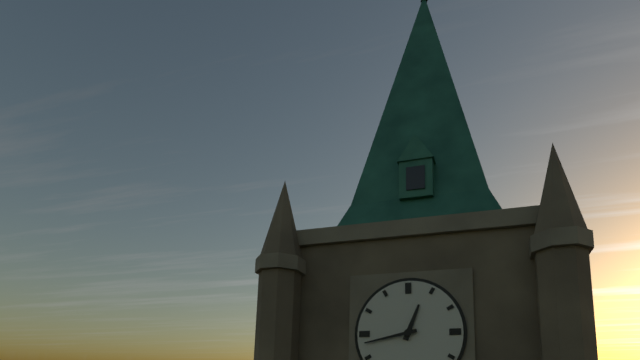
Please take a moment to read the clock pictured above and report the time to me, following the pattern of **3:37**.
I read **12:43**
